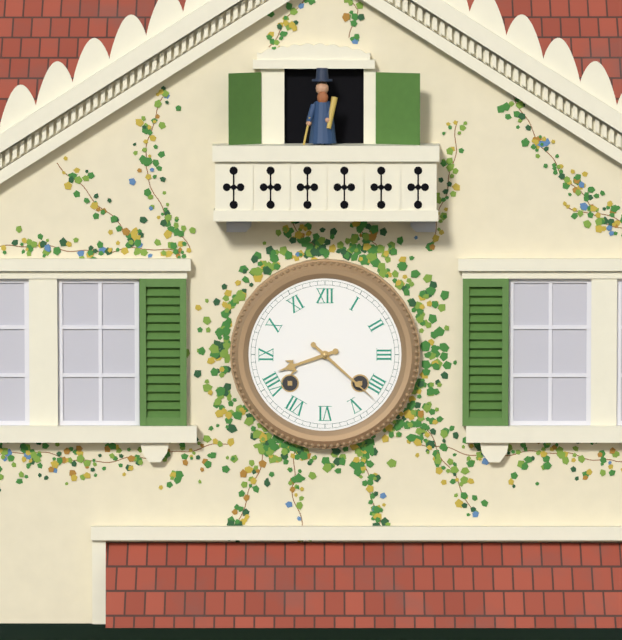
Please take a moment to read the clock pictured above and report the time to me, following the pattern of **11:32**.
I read **8:22**
